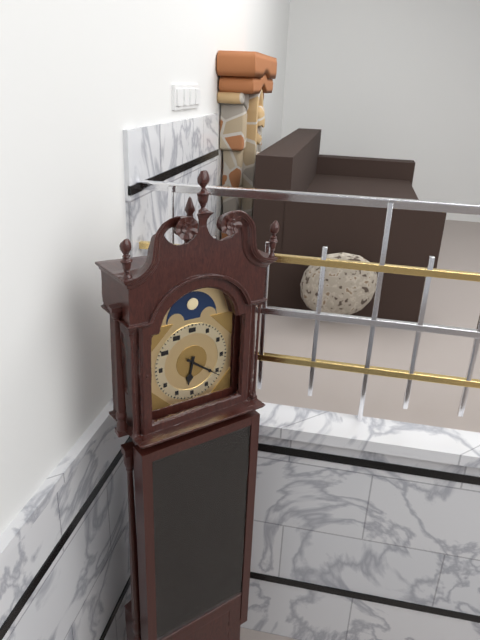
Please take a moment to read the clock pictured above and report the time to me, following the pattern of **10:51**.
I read **6:21**
